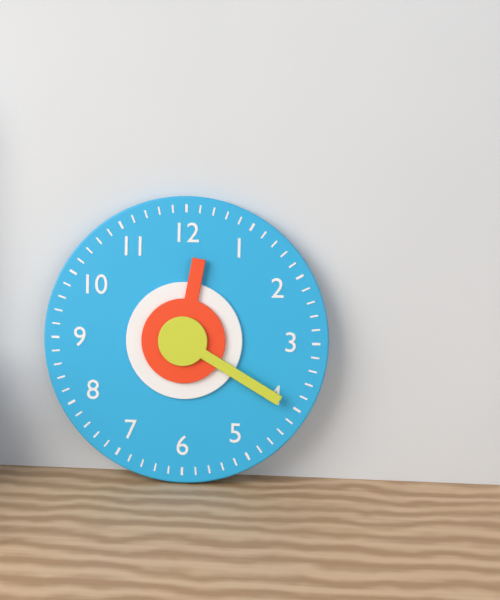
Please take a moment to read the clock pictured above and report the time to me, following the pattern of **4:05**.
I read **12:20**
